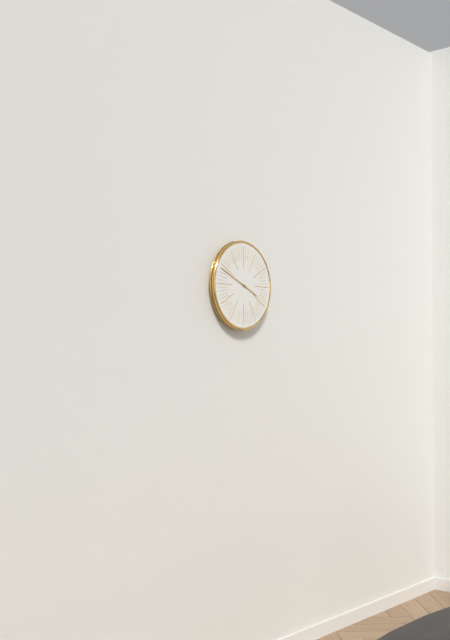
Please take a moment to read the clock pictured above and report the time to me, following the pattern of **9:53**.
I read **3:49**
